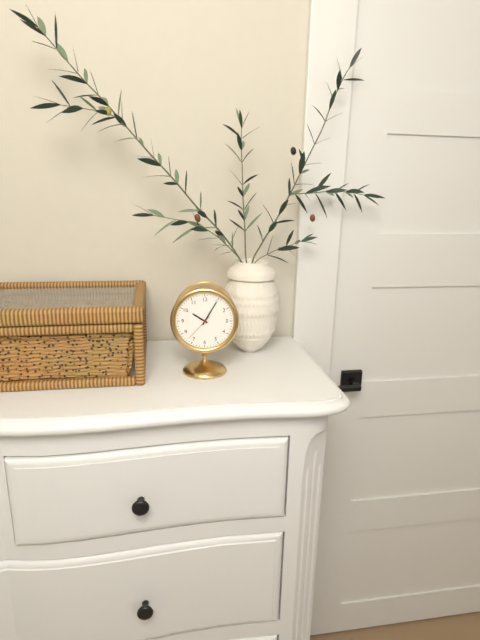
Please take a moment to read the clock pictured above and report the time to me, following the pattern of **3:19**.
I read **10:05**
